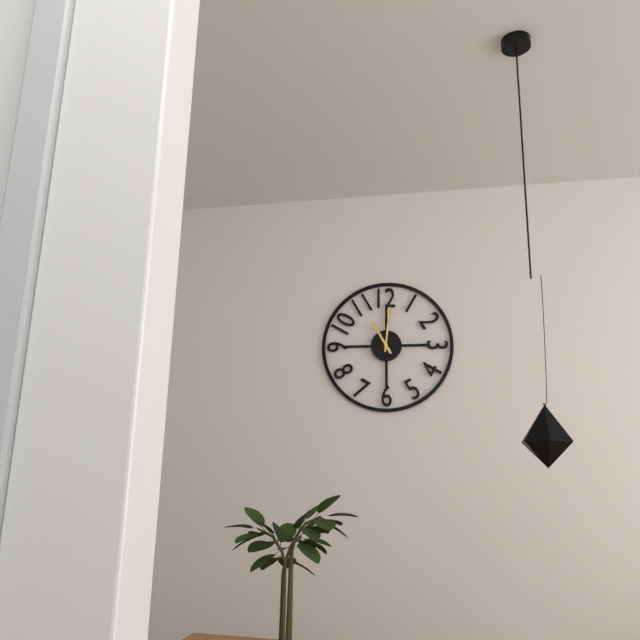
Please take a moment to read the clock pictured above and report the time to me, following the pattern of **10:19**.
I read **11:01**
